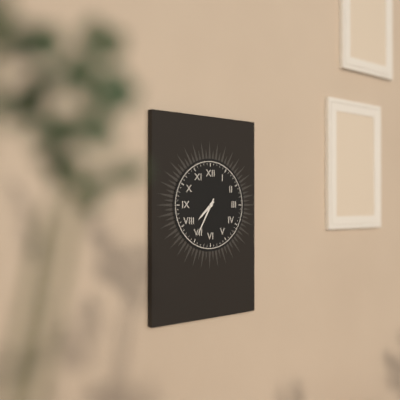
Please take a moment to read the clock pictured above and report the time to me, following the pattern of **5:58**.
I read **7:35**
